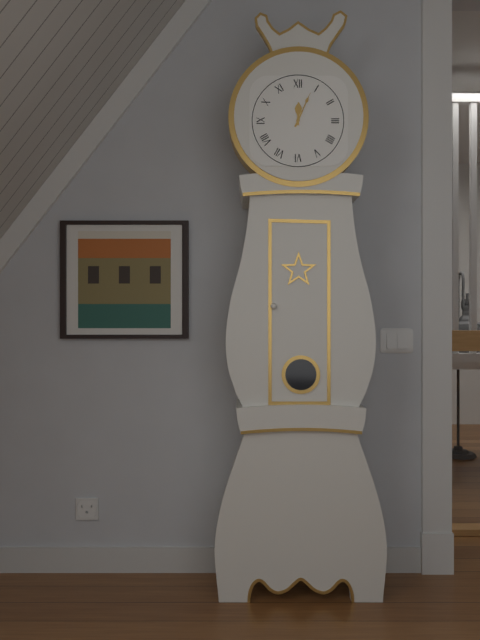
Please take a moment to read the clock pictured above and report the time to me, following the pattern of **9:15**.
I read **12:04**
